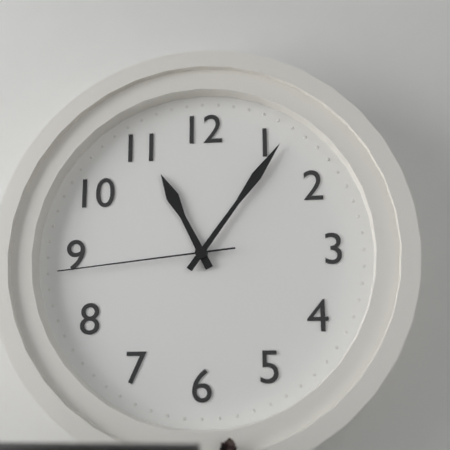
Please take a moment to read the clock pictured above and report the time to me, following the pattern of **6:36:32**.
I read **11:06:44**
